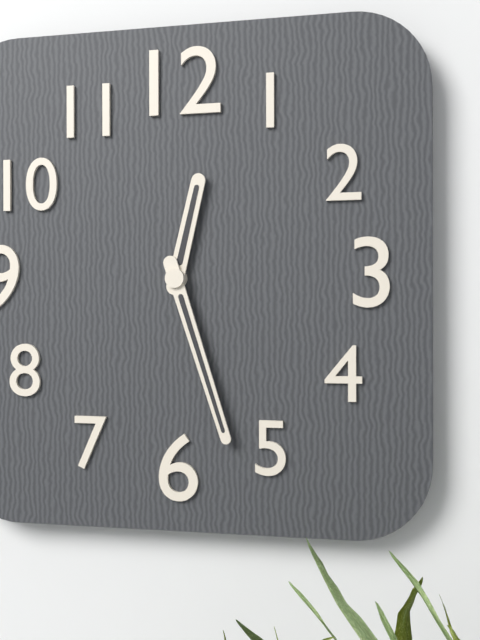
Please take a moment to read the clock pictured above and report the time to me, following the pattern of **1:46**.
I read **12:27**
